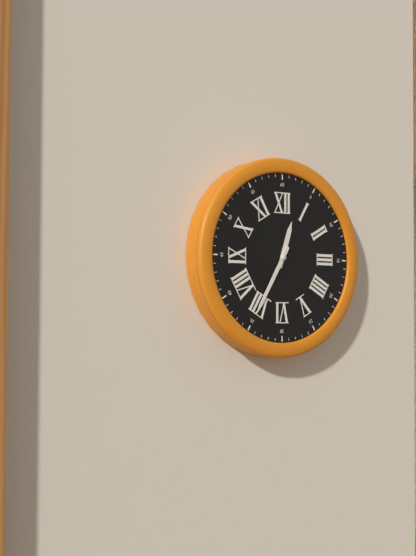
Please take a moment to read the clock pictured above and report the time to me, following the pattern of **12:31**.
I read **12:35**
